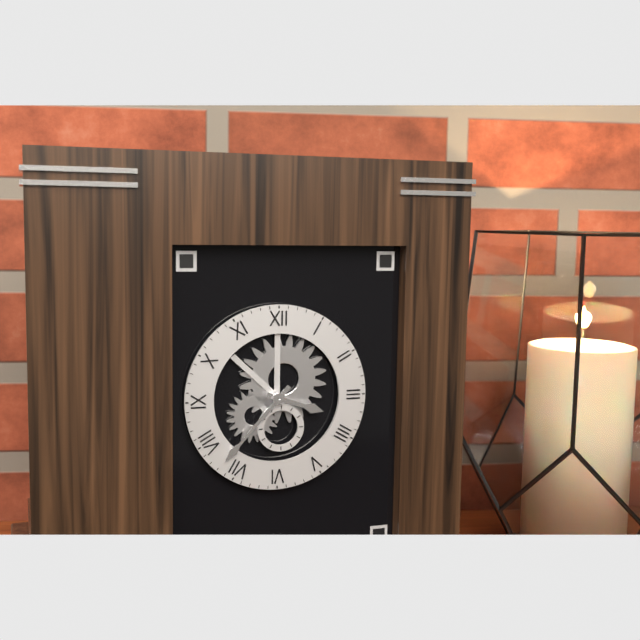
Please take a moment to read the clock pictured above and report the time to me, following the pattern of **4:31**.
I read **3:37**
